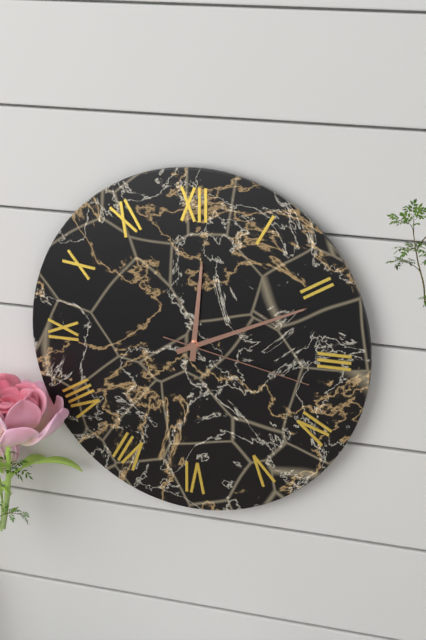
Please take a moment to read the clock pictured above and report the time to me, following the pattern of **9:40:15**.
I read **12:11:17**
